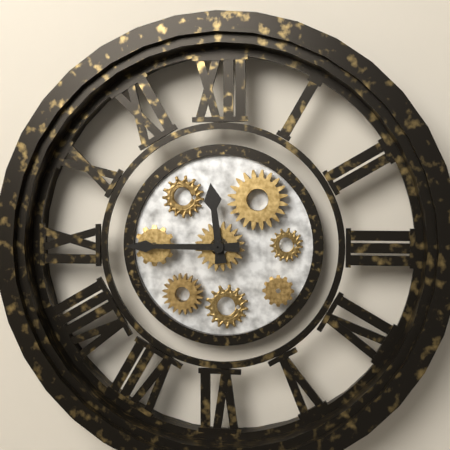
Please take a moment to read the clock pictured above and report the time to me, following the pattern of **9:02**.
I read **11:45**
